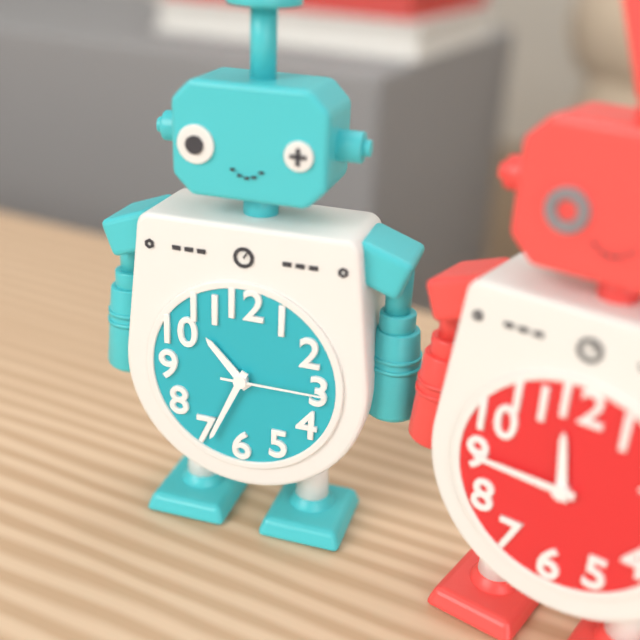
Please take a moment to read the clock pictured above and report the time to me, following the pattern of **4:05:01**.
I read **10:34:15**
